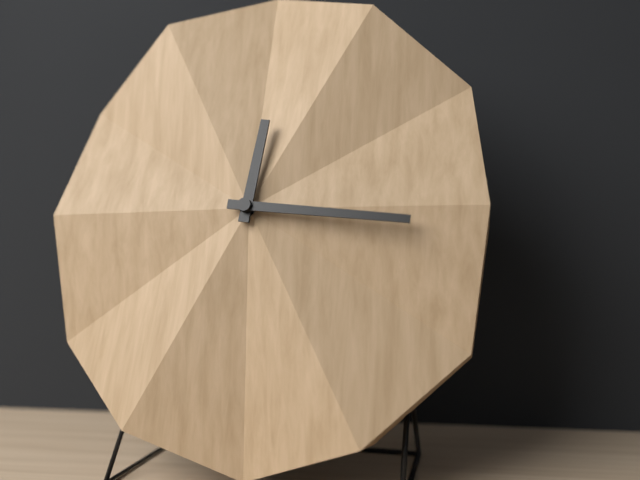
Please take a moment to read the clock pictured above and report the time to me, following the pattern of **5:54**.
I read **12:16**
